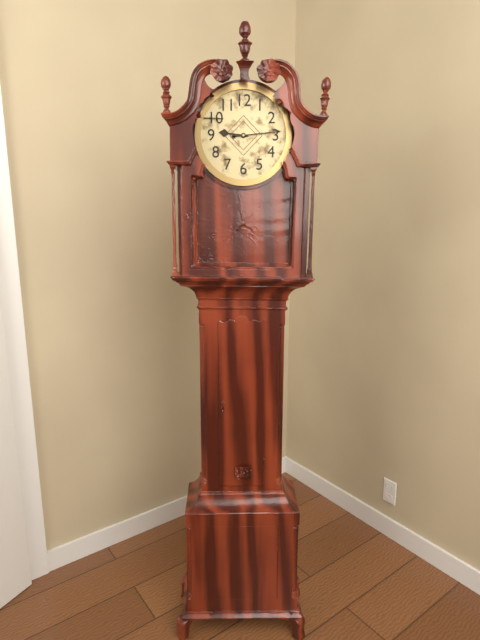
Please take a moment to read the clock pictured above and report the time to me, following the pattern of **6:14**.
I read **9:14**
